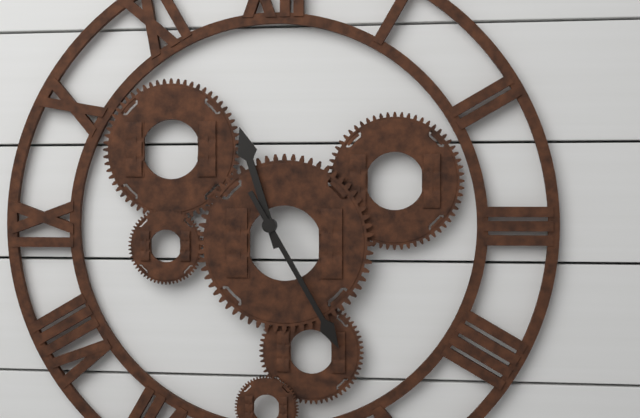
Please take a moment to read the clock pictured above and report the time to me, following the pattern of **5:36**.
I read **11:25**
